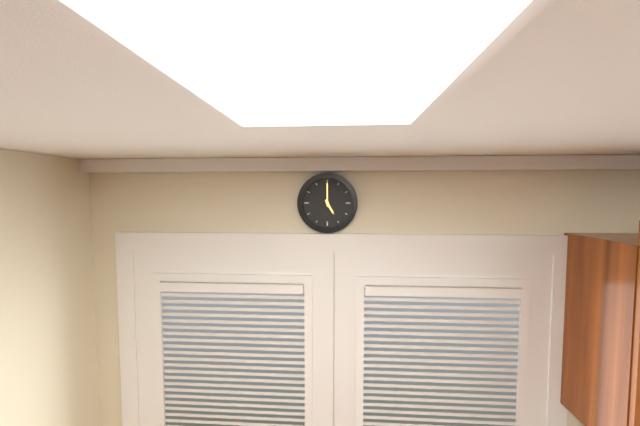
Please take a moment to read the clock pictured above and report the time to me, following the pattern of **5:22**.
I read **5:00**
